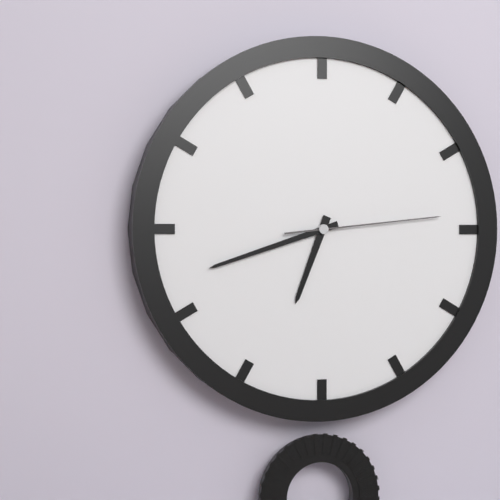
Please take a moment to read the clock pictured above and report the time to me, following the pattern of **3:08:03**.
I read **6:42:14**
